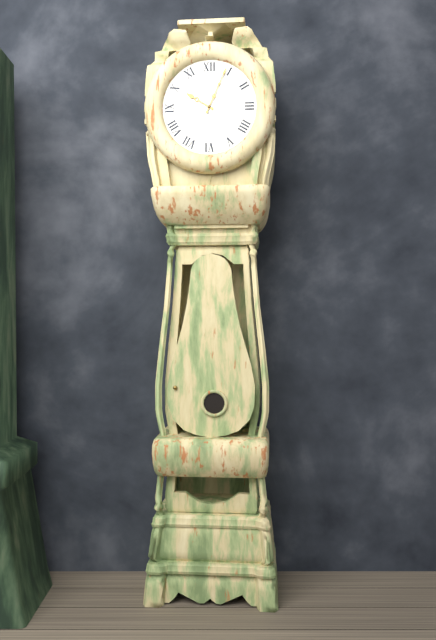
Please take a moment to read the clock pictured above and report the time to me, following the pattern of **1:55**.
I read **10:04**
